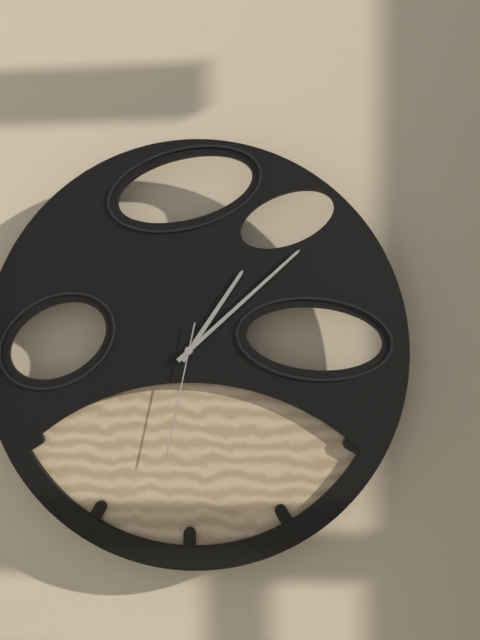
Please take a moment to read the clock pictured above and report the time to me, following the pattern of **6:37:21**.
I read **1:08:32**
